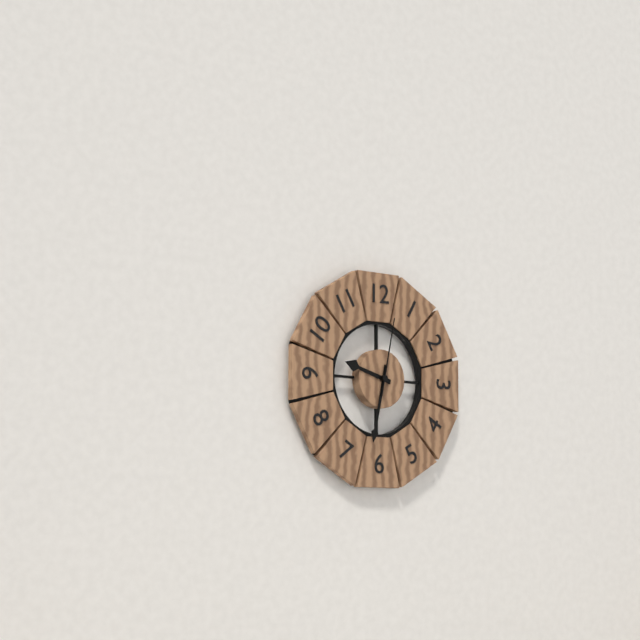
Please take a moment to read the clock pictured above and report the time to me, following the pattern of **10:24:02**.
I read **9:32:02**
